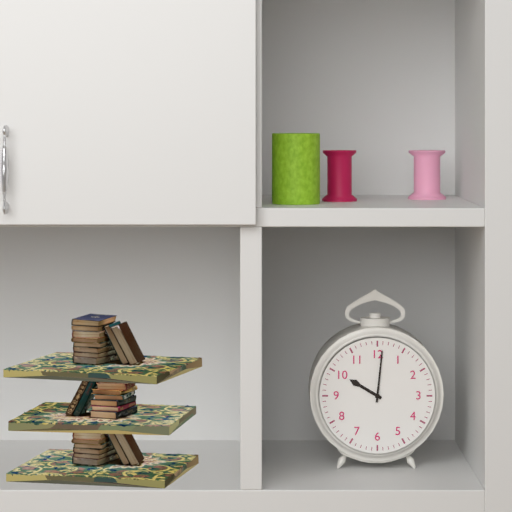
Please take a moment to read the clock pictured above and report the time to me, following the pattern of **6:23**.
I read **10:01**
